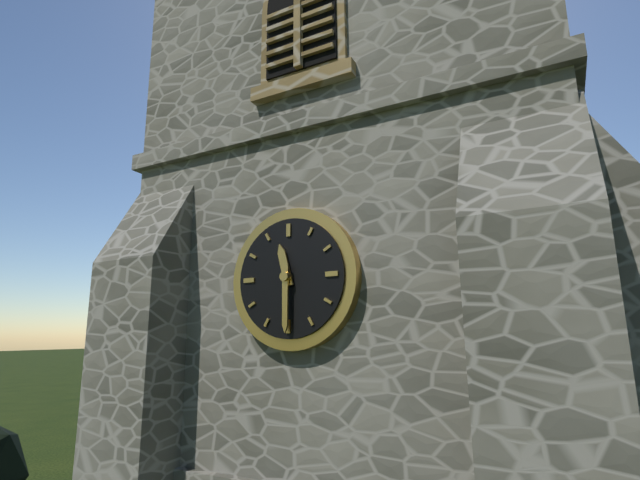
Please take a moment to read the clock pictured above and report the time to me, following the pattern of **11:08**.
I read **11:30**
